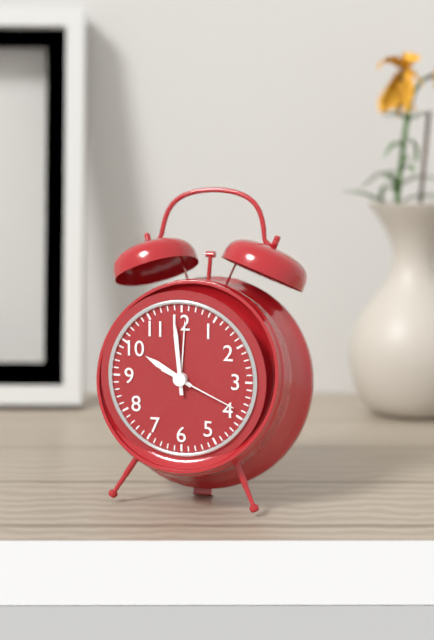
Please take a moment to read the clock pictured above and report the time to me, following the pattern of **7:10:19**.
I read **9:59:19**
